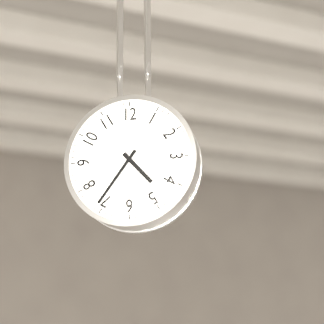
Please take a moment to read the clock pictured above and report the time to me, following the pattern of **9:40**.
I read **4:36**
